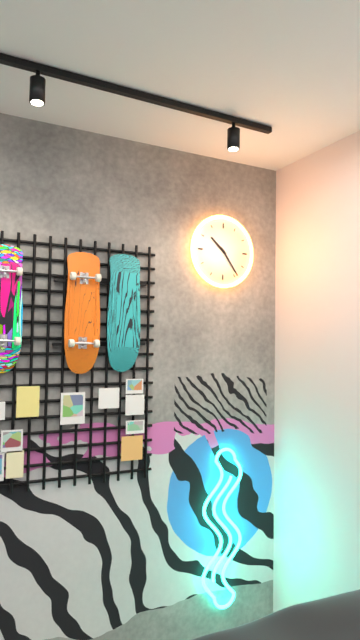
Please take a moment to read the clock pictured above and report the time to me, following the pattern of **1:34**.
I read **10:24**
